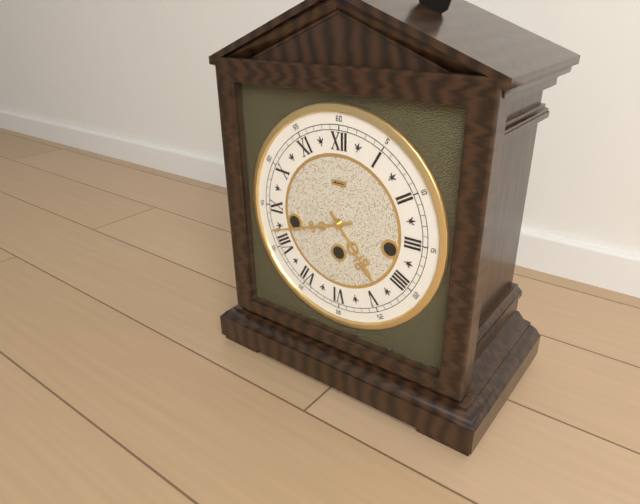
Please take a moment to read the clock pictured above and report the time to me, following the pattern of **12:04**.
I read **4:42**
